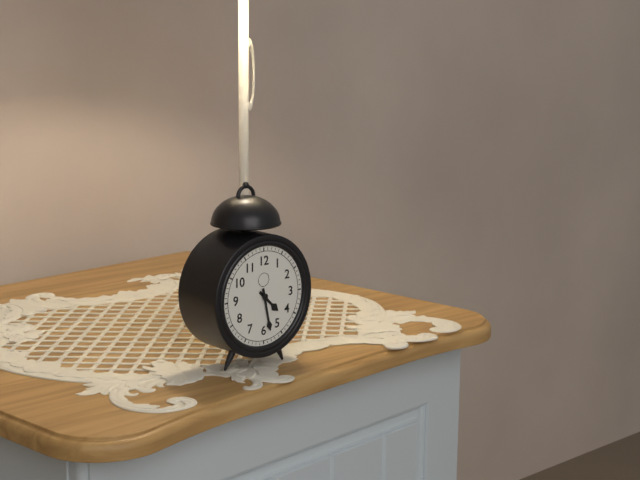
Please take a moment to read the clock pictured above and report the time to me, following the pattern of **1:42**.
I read **4:28**
